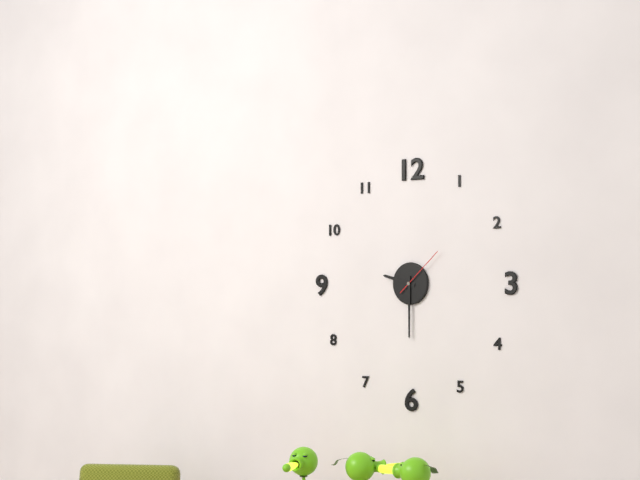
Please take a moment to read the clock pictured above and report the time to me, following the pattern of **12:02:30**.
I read **9:30:08**
